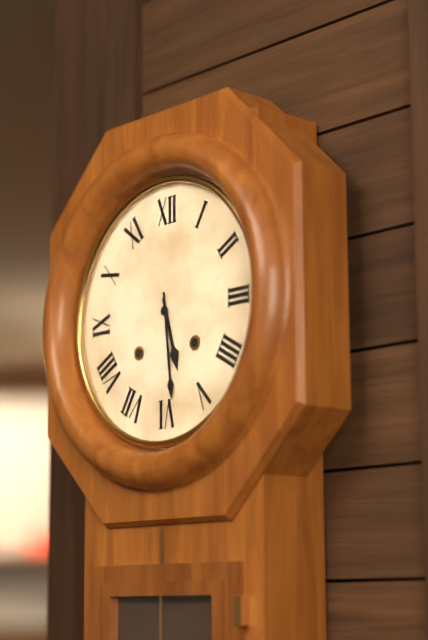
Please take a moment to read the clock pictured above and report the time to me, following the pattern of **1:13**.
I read **5:29**
